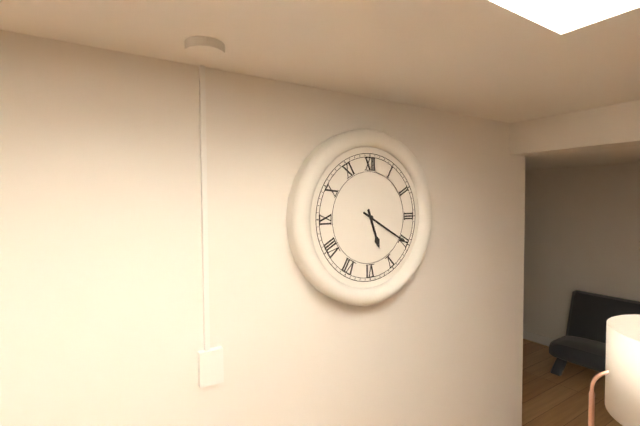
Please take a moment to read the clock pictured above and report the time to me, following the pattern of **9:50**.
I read **5:20**
